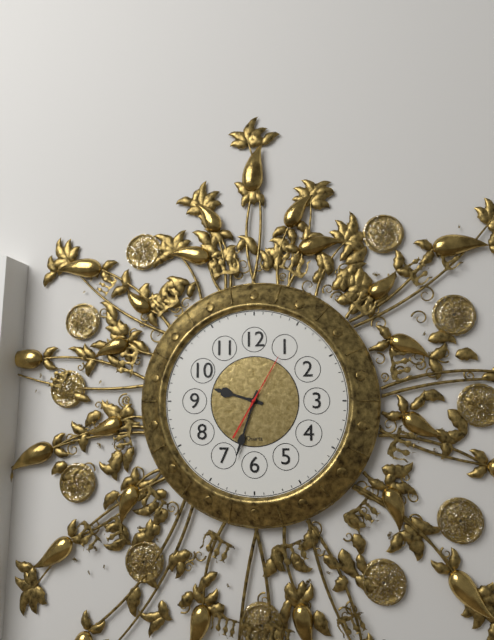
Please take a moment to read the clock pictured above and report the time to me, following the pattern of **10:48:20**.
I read **9:33:05**
